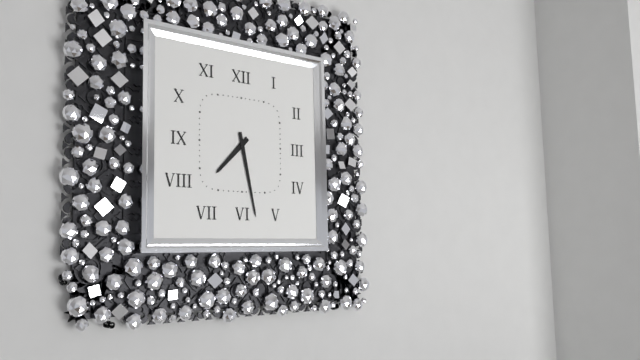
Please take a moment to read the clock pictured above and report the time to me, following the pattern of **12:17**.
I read **7:28**
